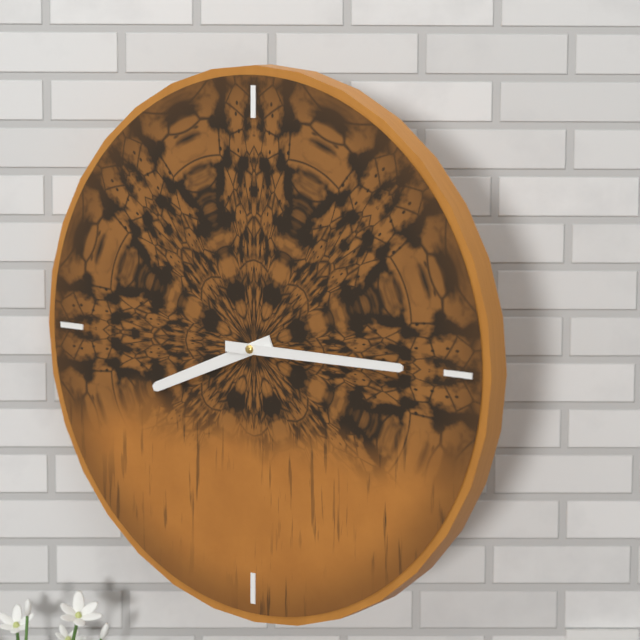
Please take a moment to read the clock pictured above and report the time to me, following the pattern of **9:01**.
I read **8:15**
